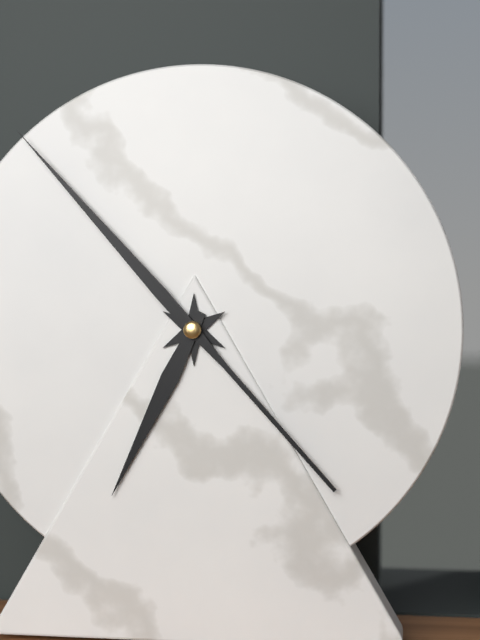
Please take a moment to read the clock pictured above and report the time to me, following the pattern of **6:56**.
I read **6:53**
